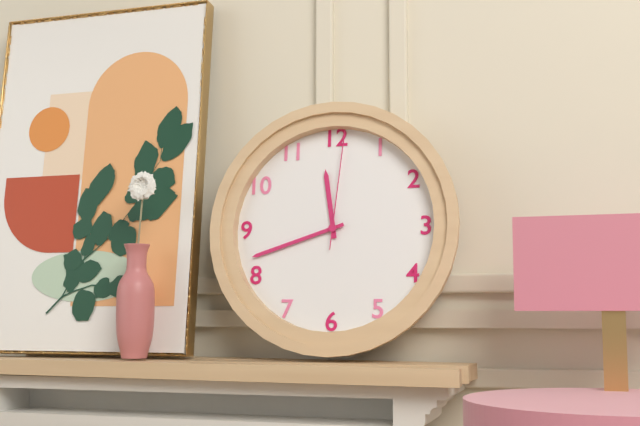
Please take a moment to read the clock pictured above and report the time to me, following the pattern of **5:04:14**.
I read **11:42:01**
